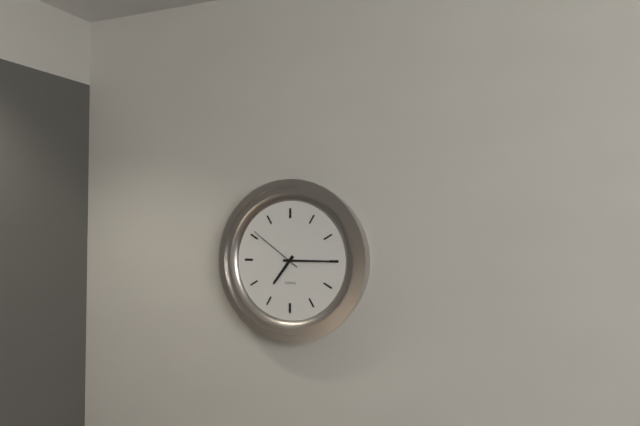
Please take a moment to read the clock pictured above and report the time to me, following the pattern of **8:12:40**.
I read **7:15:51**
